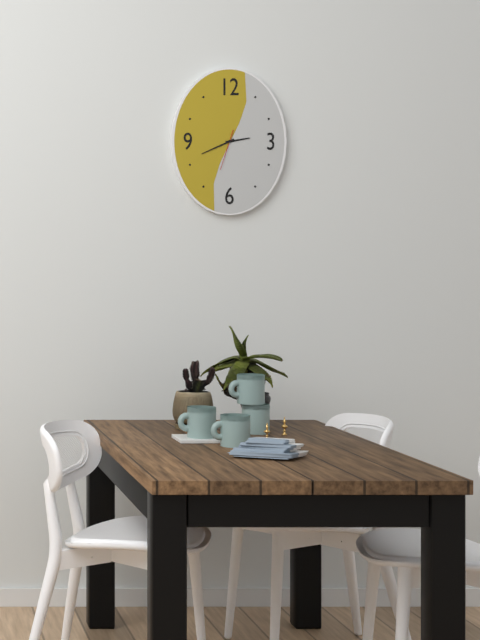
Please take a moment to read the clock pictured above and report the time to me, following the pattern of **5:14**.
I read **2:41**
